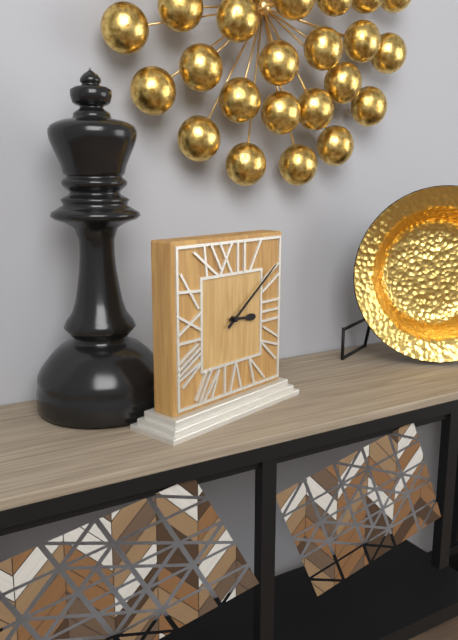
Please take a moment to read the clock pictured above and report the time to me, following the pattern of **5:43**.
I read **3:09**
